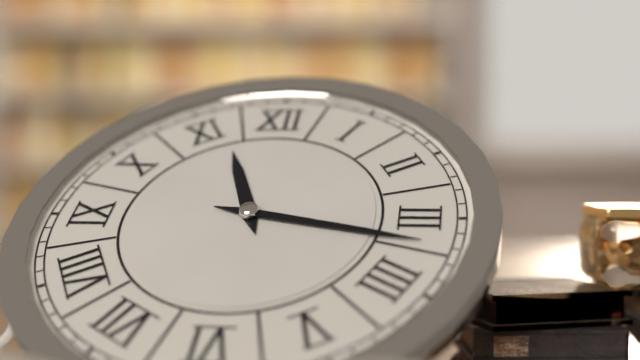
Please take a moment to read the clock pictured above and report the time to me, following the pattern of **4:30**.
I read **11:17**
